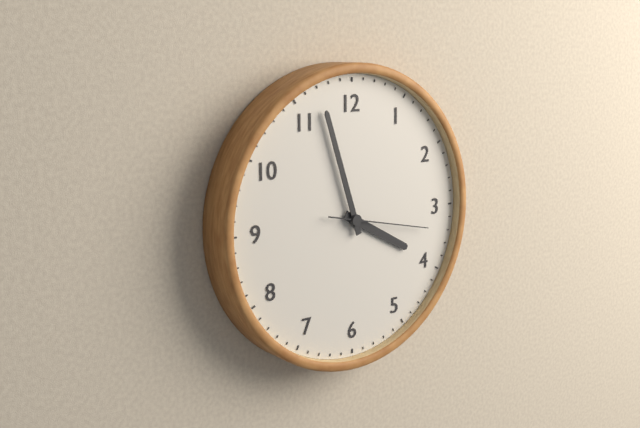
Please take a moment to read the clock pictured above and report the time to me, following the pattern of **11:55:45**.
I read **3:57:17**
